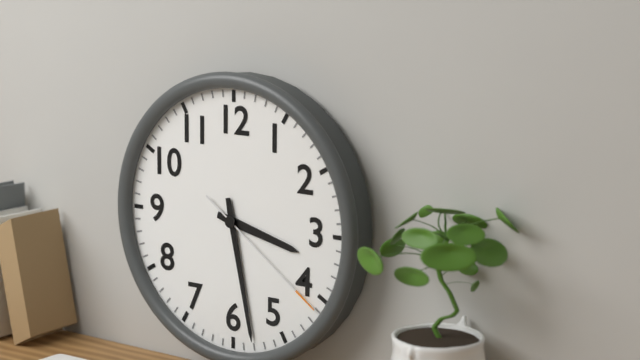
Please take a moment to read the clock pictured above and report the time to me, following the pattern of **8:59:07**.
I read **3:28:21**
